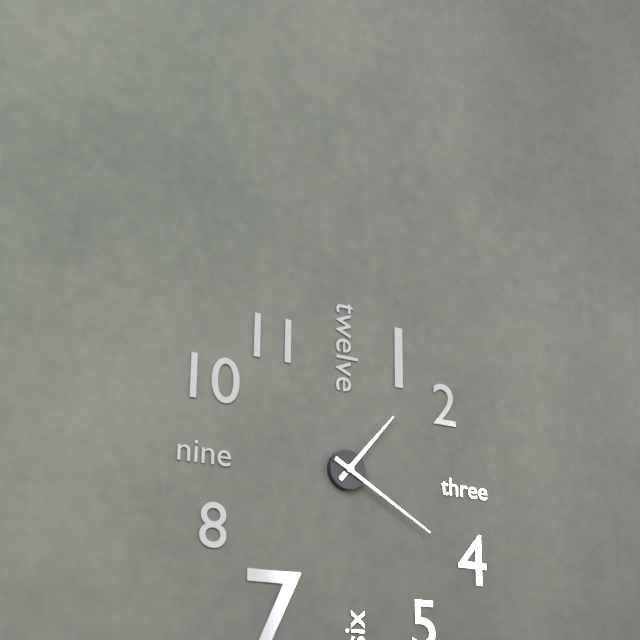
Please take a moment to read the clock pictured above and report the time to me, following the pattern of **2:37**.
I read **1:20**
